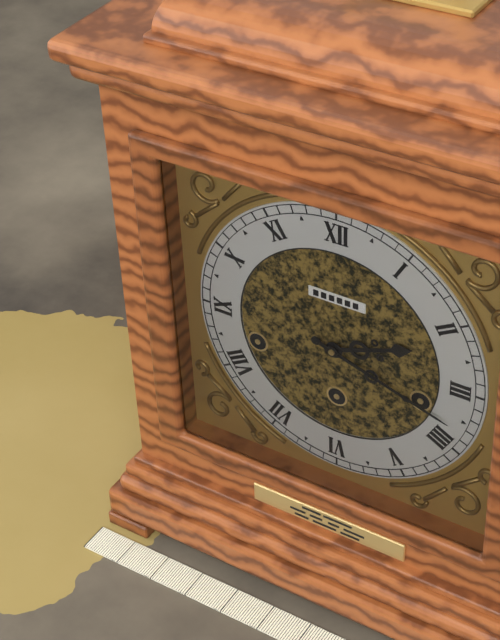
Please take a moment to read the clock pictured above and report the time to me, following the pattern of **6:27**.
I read **2:18**
